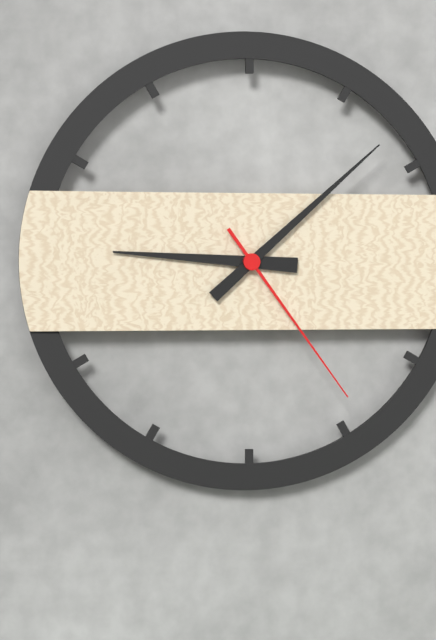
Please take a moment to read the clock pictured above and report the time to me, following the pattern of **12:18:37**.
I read **9:08:24**
